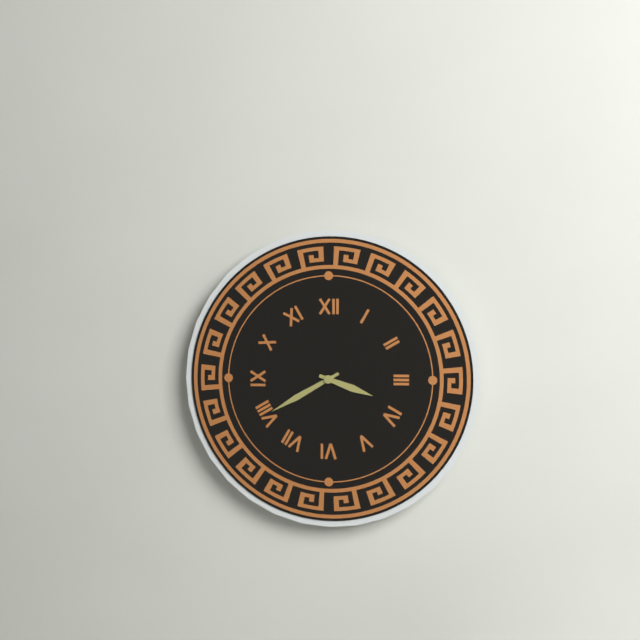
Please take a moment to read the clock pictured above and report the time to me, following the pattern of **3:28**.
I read **3:40**
